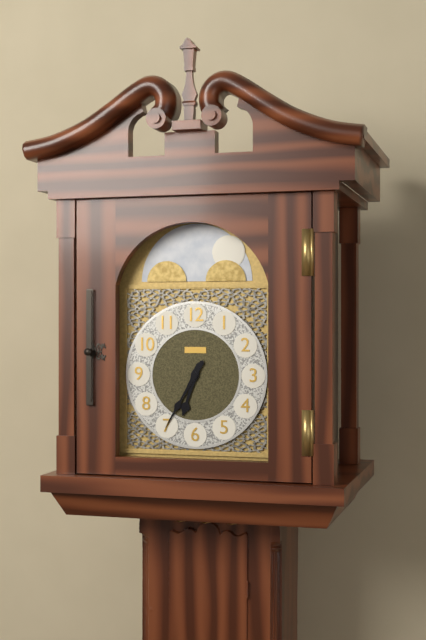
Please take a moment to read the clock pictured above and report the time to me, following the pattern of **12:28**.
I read **6:35**
